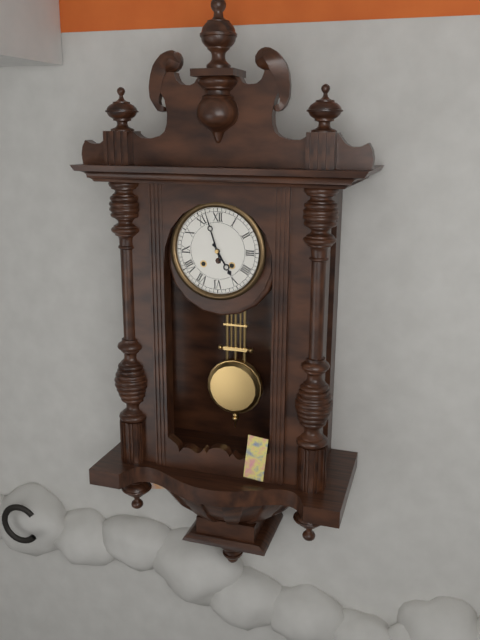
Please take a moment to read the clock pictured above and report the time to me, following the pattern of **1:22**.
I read **4:57**
